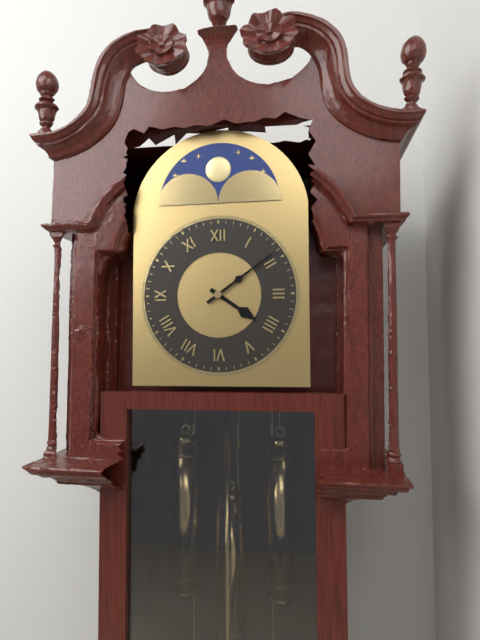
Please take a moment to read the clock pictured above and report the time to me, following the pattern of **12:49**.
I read **4:09**
